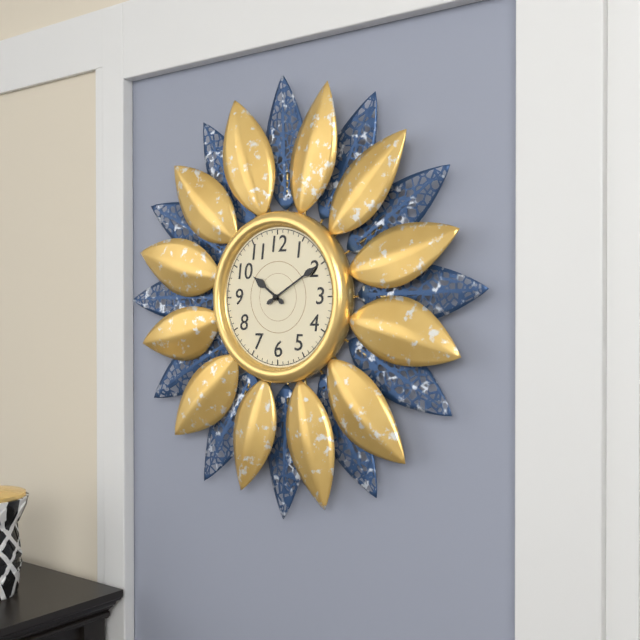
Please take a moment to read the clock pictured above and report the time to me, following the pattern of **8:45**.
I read **10:10**
